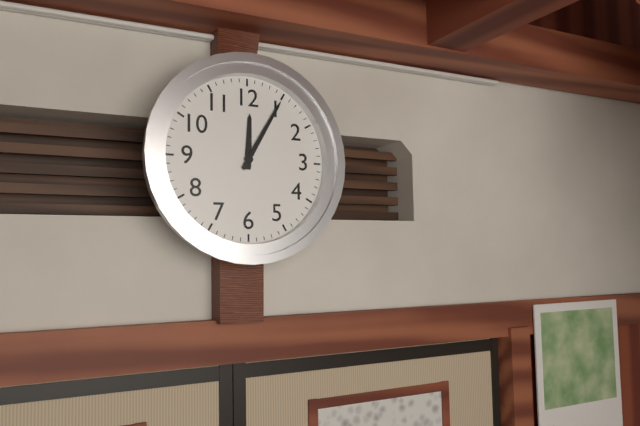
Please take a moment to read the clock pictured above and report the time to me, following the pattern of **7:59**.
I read **12:05**
